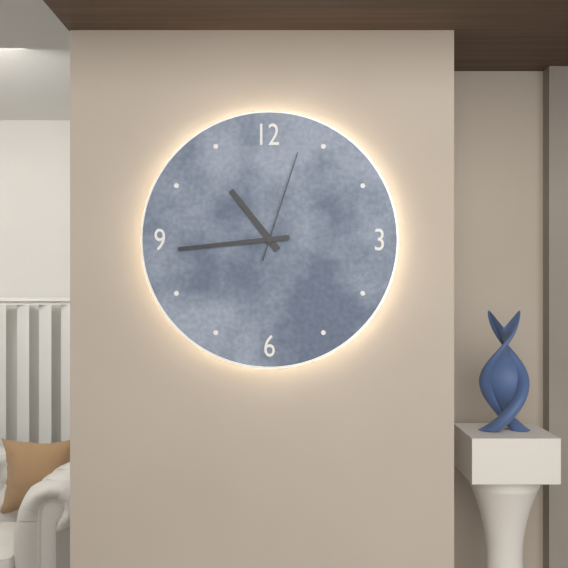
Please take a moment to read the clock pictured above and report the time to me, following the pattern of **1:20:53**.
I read **10:44:03**
